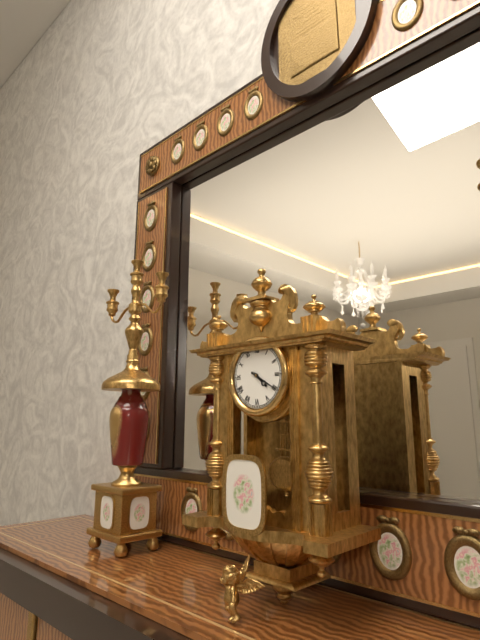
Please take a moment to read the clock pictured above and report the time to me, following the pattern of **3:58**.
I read **4:20**
